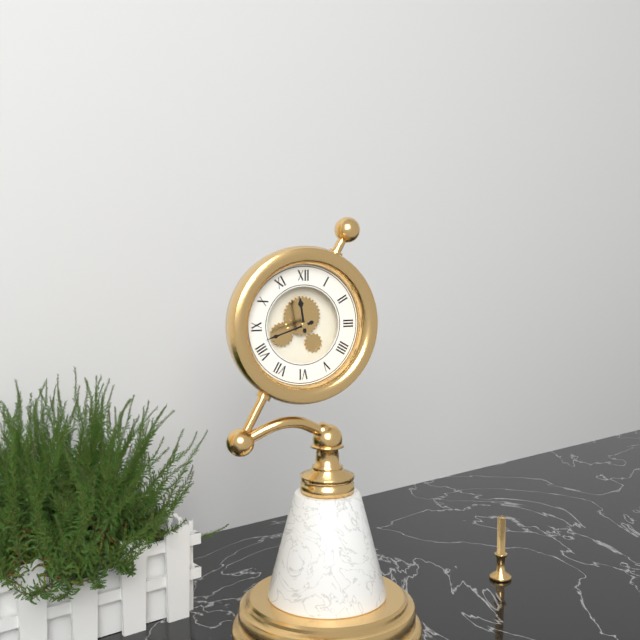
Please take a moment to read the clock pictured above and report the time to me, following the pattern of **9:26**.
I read **11:42**
